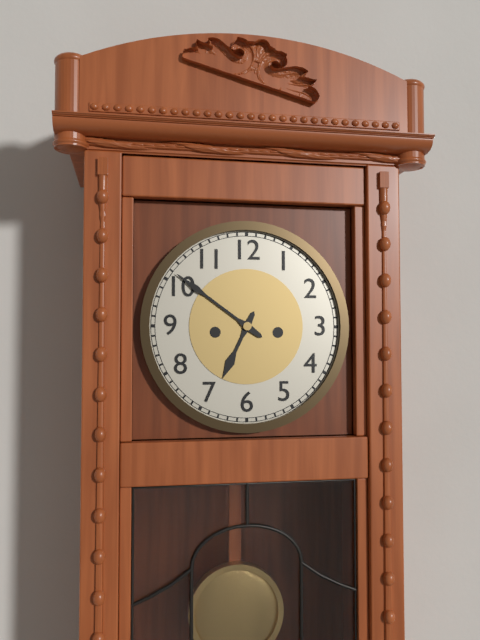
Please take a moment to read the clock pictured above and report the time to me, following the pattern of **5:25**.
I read **6:51**
